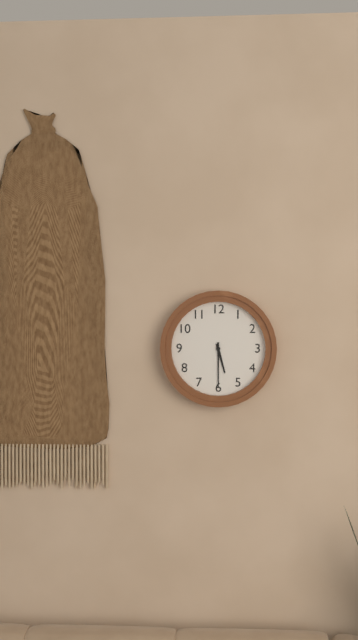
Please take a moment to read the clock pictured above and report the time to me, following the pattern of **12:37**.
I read **5:30**
